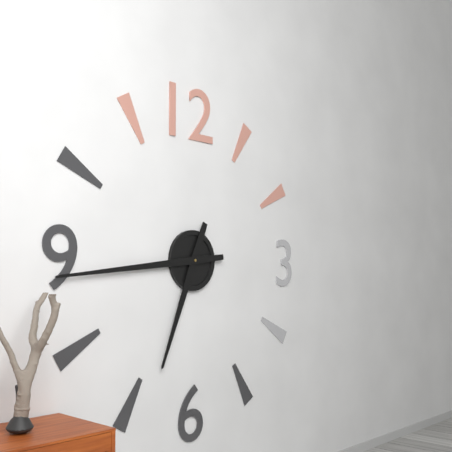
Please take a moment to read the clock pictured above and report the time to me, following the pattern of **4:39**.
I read **6:44**
